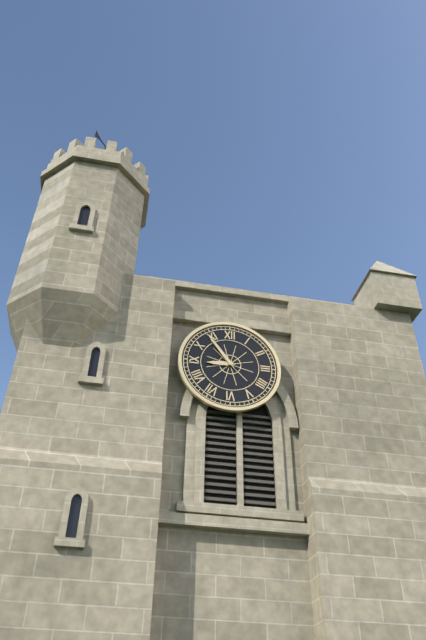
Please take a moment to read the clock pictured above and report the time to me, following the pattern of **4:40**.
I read **8:54**
